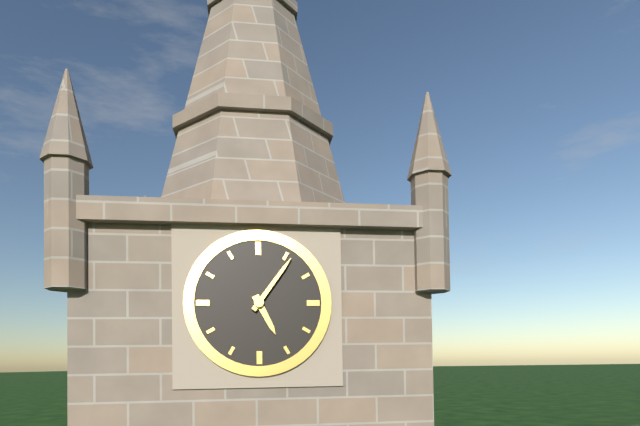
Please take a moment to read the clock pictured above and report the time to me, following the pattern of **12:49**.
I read **5:06**
